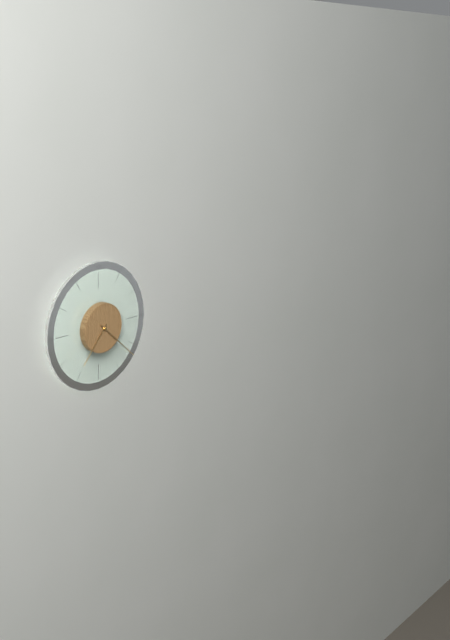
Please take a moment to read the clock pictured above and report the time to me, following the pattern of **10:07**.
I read **7:22**
